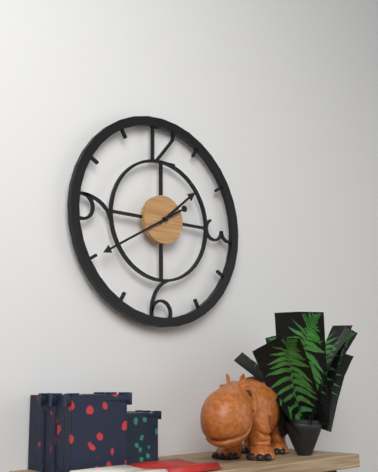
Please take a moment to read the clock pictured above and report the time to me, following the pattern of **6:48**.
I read **1:40**
